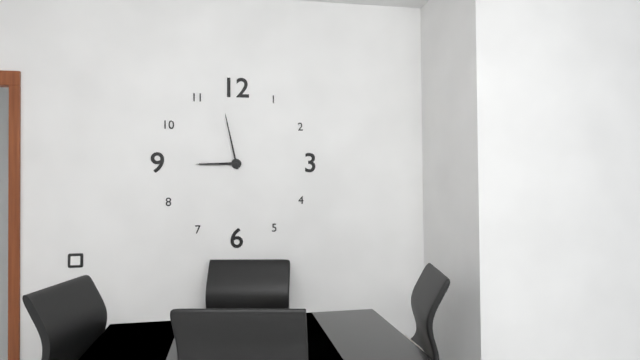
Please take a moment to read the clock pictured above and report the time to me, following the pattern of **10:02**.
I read **8:58**
